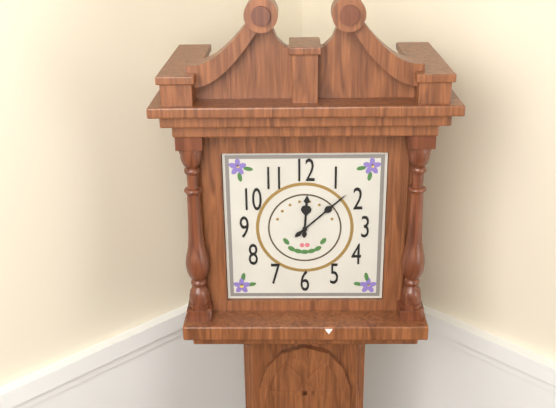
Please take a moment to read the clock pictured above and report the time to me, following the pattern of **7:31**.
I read **12:08**
